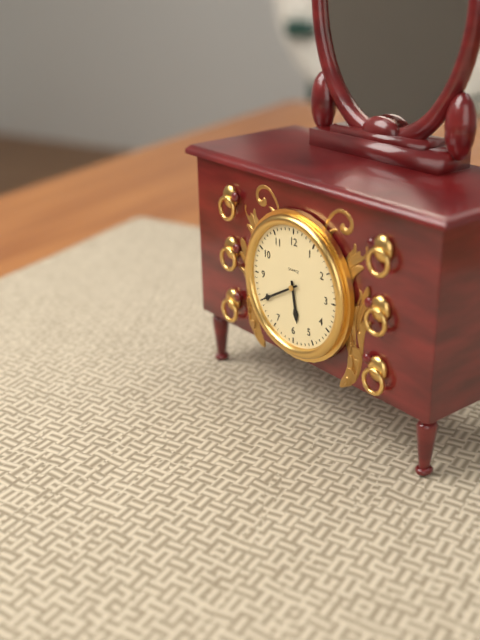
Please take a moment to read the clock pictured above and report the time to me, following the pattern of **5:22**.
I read **5:40**
